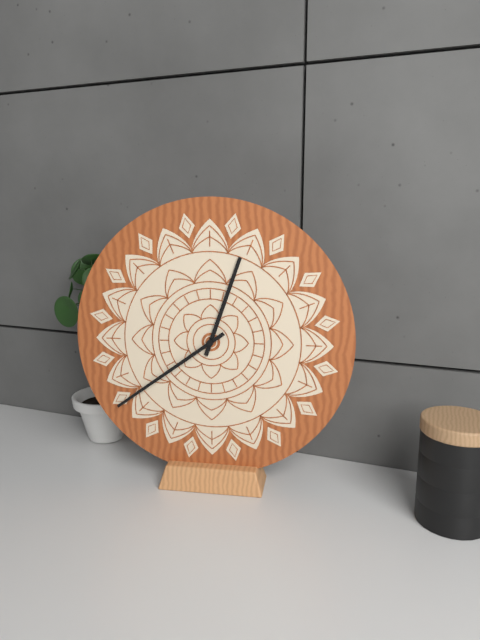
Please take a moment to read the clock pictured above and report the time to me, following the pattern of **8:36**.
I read **12:39**
